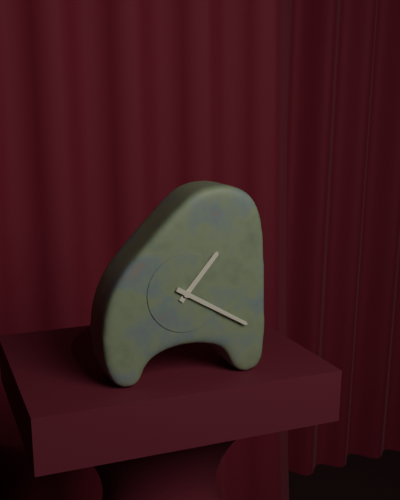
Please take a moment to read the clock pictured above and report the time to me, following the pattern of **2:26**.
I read **1:20**
